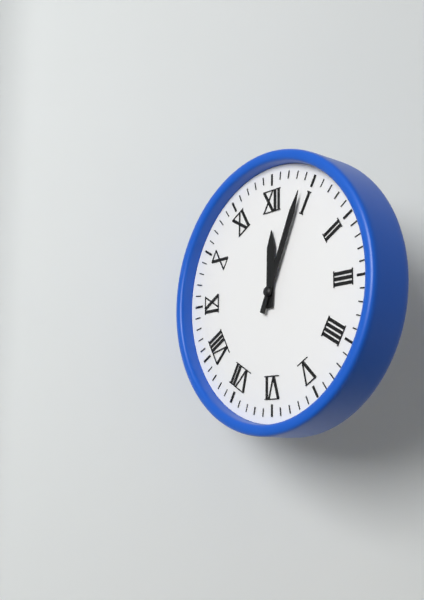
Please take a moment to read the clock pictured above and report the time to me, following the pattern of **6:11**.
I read **12:04**
